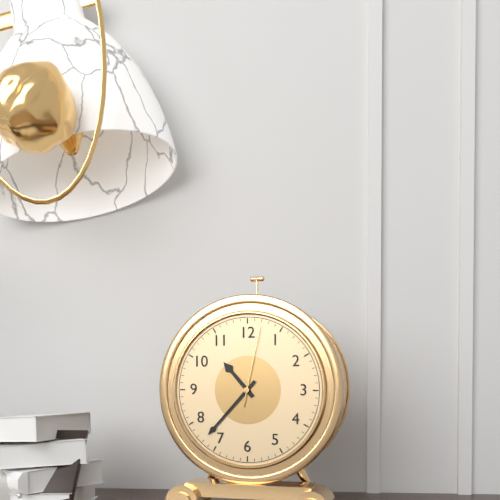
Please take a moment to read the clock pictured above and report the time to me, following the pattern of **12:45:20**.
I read **10:37:02**
